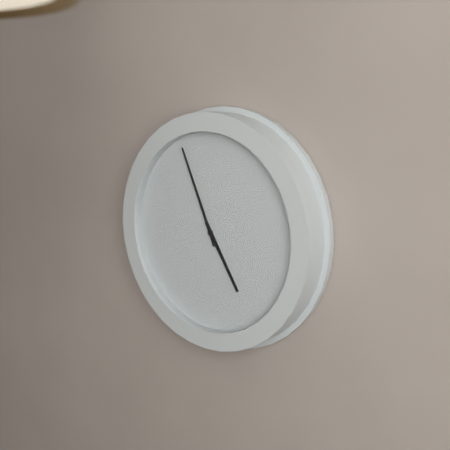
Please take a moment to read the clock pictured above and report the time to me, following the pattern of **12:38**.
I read **4:56**
